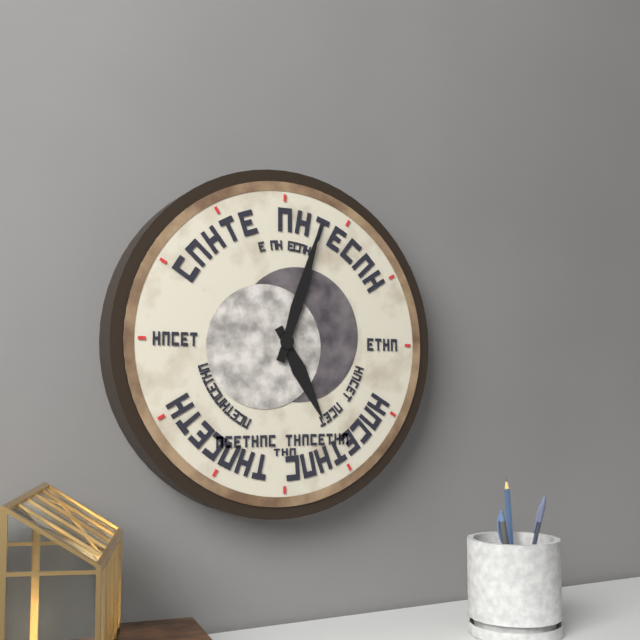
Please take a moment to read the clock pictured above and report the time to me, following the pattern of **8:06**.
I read **5:03**
